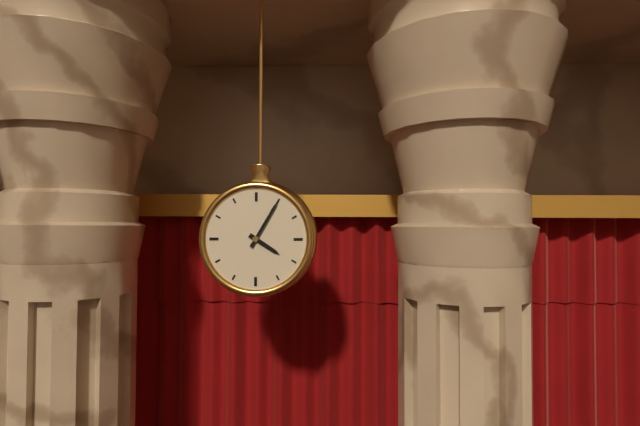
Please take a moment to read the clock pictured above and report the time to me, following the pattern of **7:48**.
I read **4:05**
